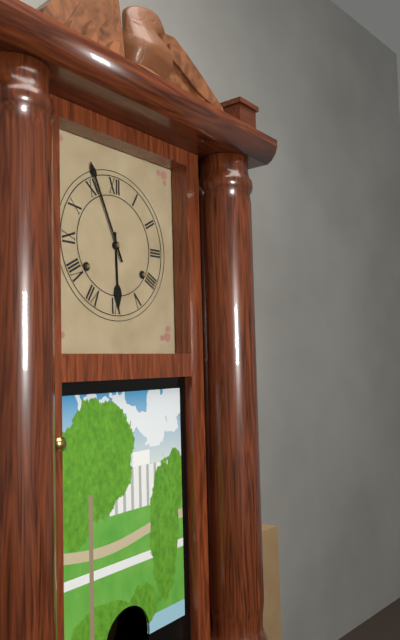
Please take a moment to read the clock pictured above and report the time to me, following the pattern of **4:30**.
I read **5:56**
